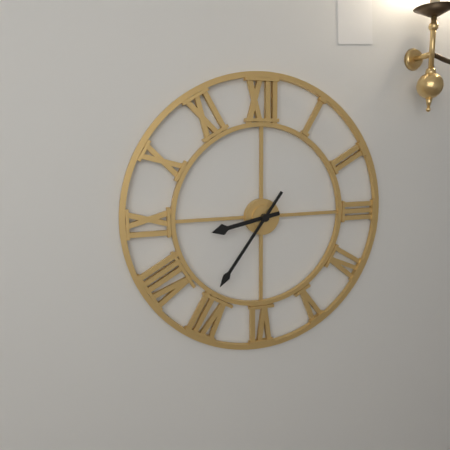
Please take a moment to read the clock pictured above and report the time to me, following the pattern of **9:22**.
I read **8:36**
